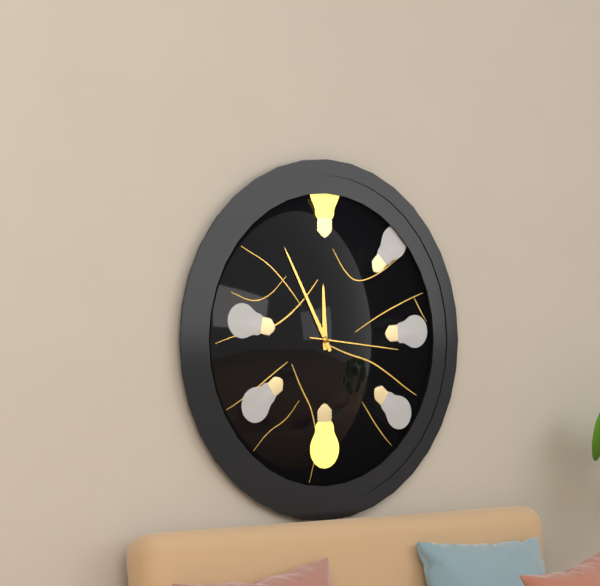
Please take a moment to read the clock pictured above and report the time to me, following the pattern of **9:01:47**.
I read **11:55:16**
